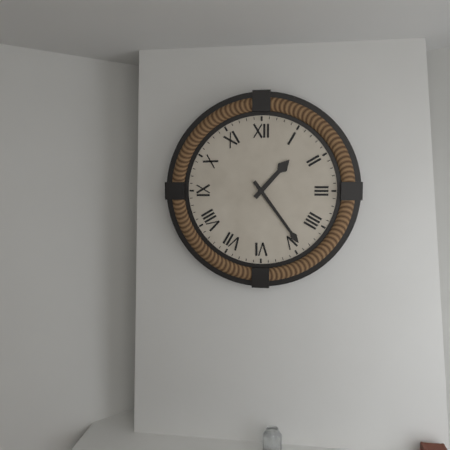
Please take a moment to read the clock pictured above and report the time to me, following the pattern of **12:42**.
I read **1:24**
